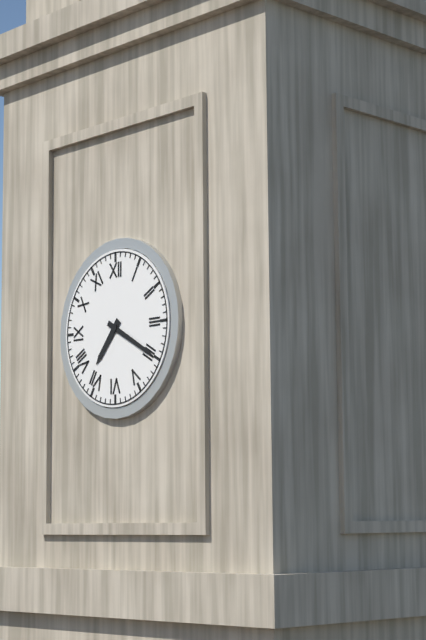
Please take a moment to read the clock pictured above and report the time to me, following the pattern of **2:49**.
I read **7:20**
